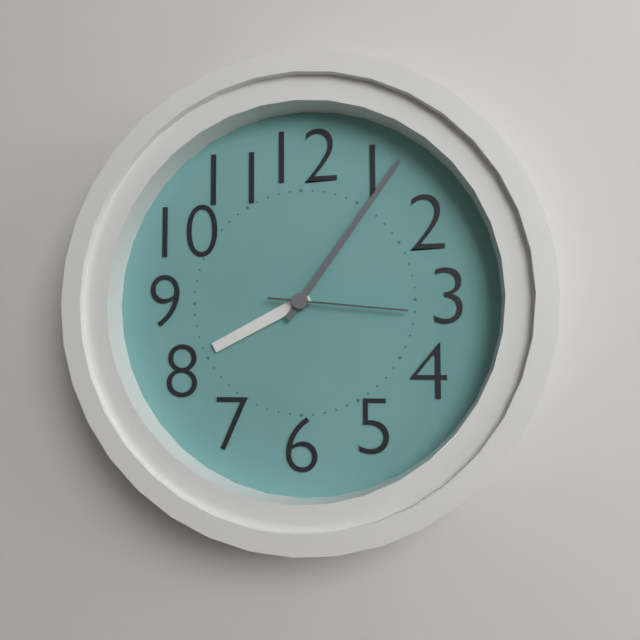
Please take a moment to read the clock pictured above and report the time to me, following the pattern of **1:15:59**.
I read **8:06:16**
